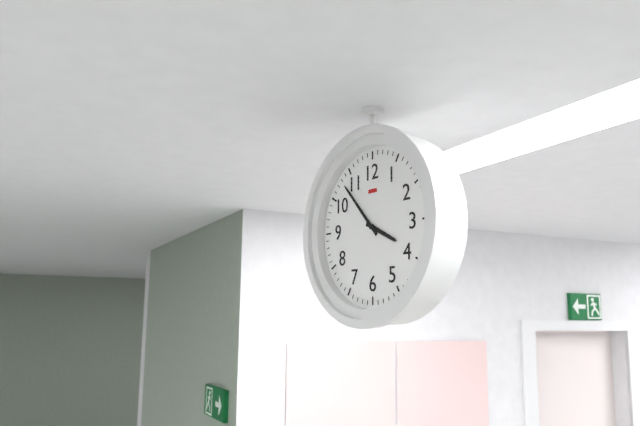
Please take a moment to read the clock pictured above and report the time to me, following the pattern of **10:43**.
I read **3:53**
